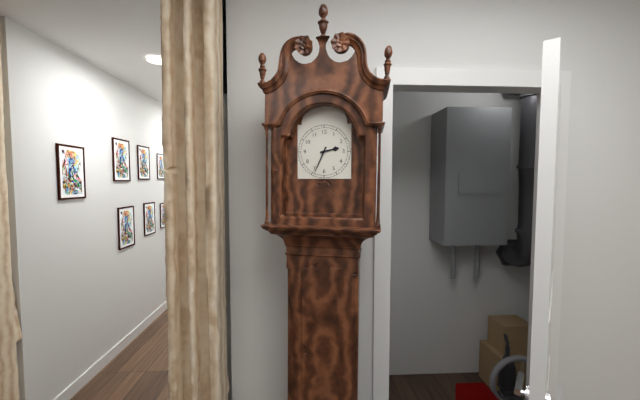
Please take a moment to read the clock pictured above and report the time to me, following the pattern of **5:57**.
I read **2:34**
